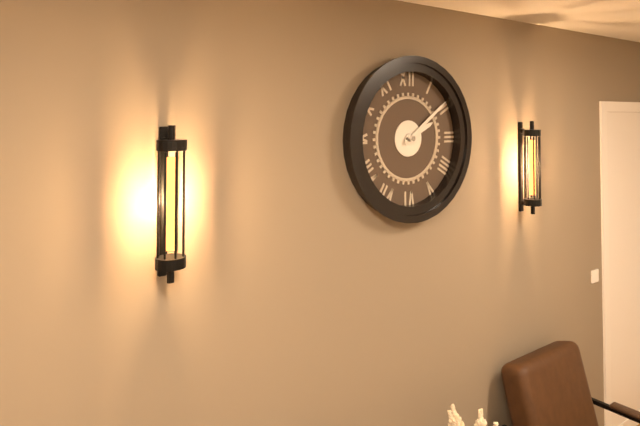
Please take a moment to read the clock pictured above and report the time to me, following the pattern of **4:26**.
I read **2:09**
